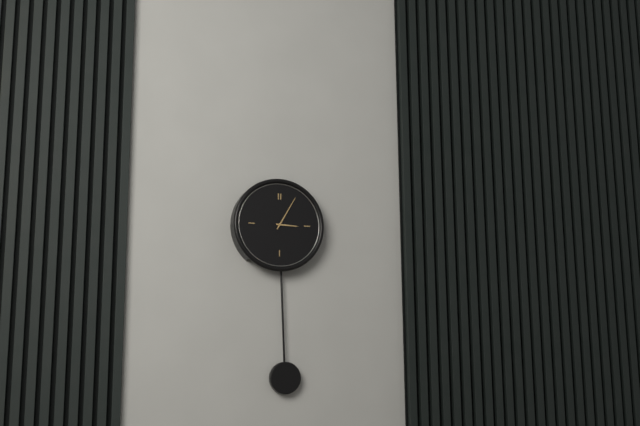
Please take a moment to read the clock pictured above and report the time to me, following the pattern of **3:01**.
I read **3:05**
